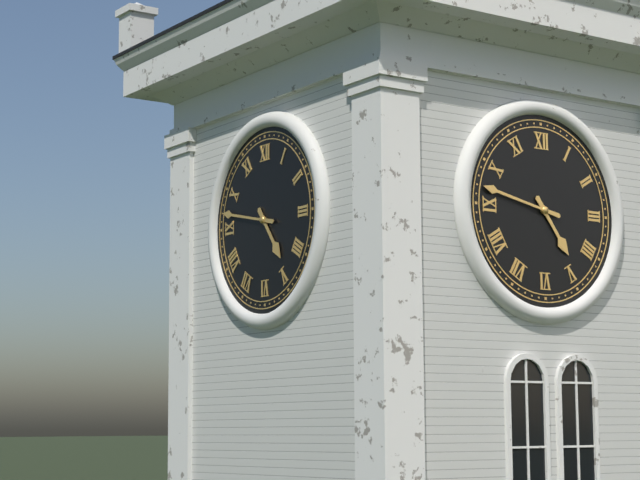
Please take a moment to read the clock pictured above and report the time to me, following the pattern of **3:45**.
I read **4:47**
